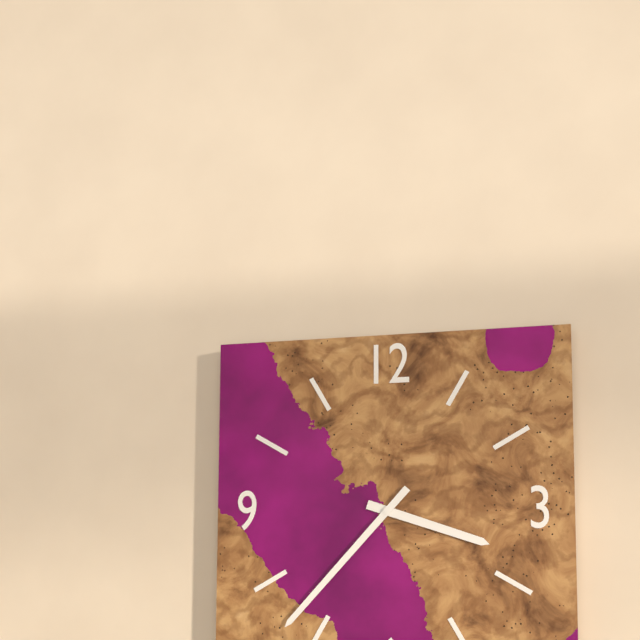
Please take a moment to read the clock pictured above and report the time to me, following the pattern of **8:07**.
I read **3:37**
